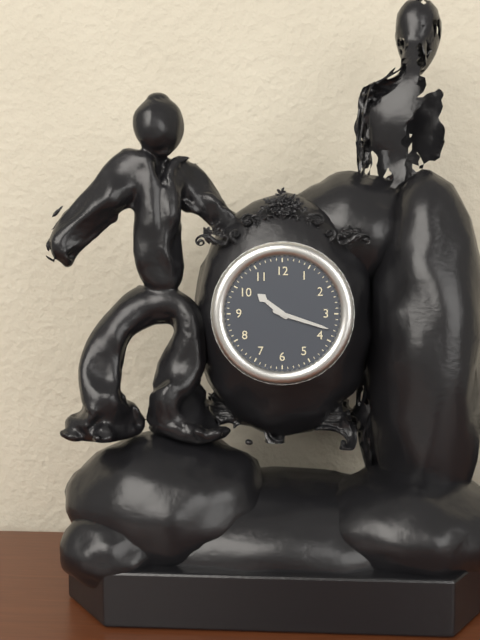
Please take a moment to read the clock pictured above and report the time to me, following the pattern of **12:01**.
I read **10:18**
